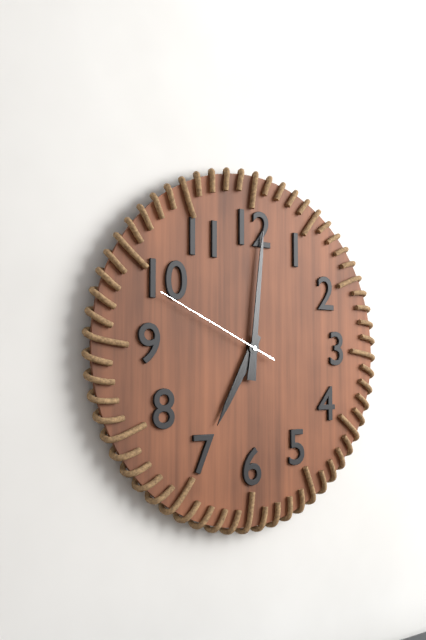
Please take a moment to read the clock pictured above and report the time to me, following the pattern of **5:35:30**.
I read **7:01:49**
